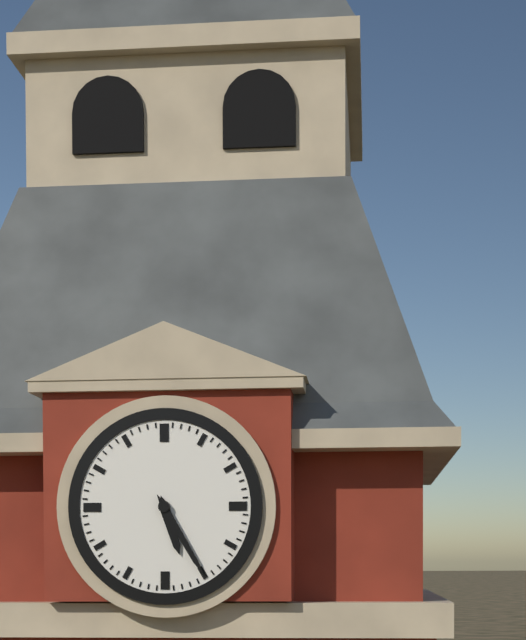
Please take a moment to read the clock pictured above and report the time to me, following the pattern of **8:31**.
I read **5:25**
